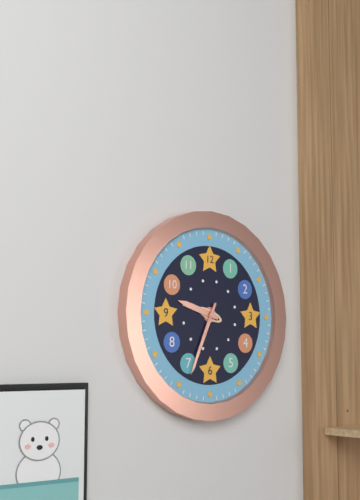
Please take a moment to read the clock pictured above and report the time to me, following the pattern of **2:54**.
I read **9:34**
